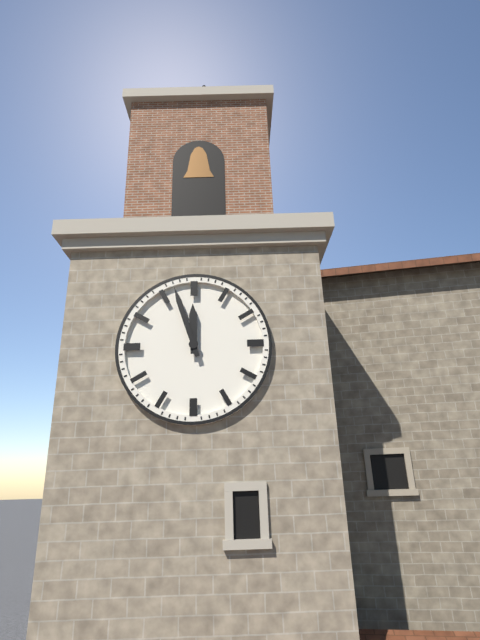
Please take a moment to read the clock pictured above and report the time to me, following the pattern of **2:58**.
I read **11:57**
